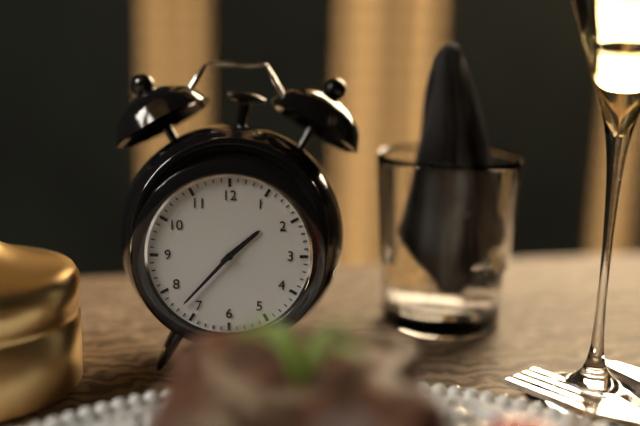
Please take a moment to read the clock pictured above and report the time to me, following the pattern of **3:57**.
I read **1:37**
